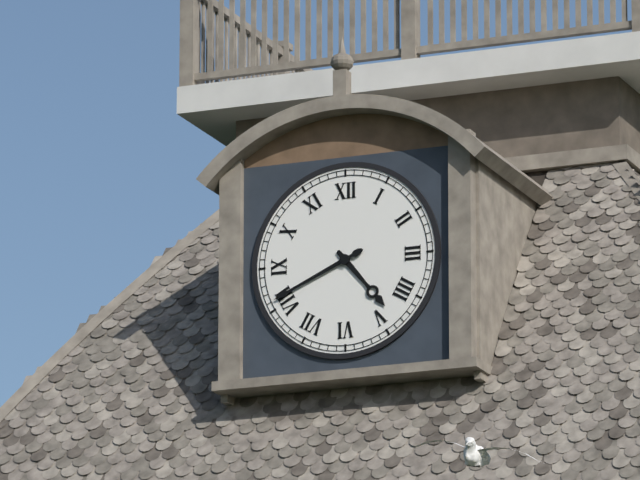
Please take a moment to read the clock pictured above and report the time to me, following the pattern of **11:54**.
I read **4:41**
